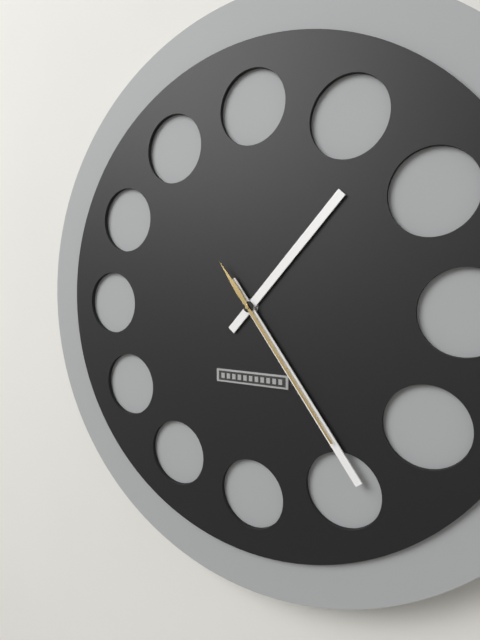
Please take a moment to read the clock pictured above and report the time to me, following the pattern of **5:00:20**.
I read **1:24:24**
